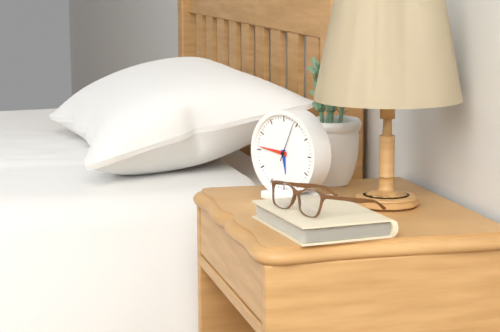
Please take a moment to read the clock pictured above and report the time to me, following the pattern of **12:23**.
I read **5:46**
